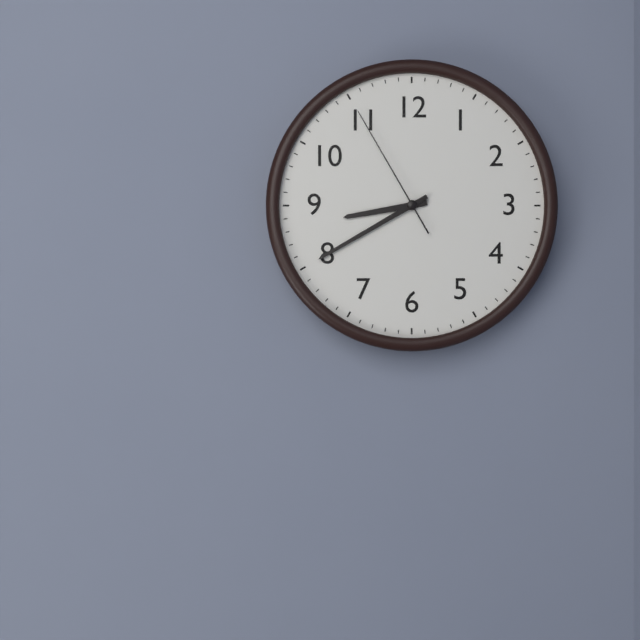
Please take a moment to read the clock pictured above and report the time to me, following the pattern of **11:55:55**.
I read **8:40:55**
